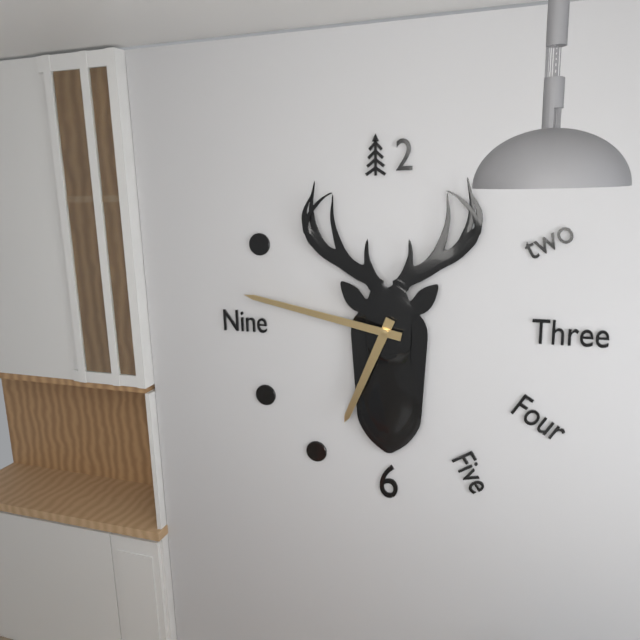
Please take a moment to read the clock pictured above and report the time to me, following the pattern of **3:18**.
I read **6:47**
